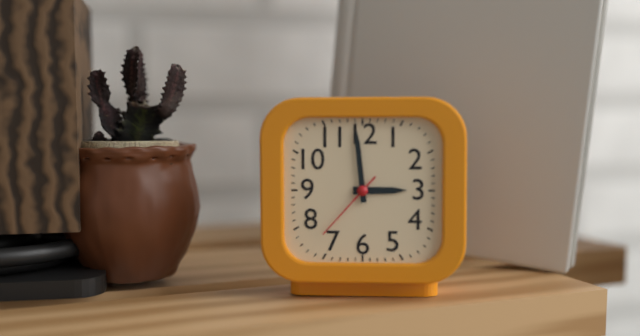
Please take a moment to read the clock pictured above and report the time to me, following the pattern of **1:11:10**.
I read **2:59:37**
